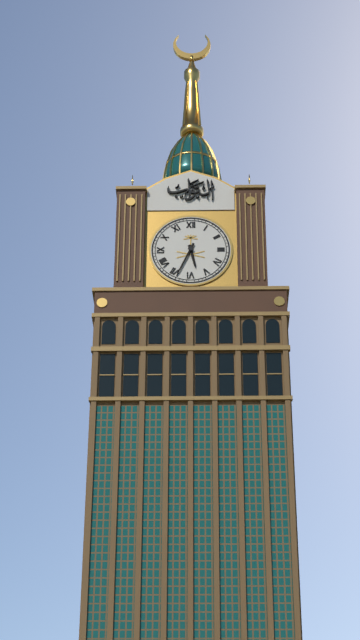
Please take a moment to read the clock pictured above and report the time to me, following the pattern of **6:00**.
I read **5:34**
